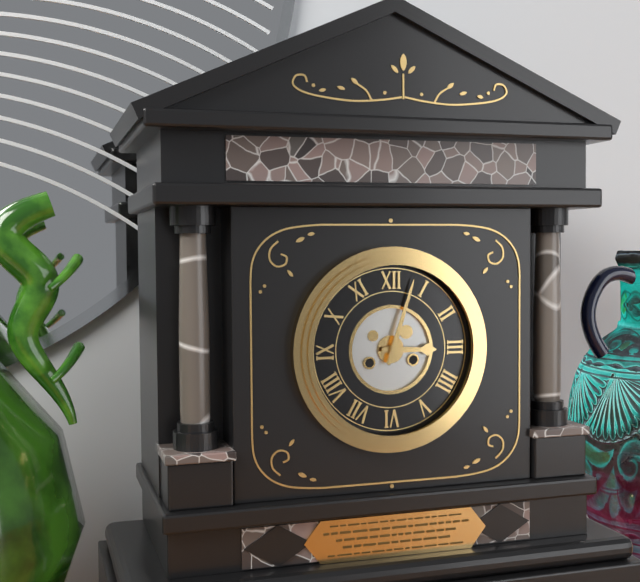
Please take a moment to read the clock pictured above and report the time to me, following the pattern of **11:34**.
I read **3:03**
